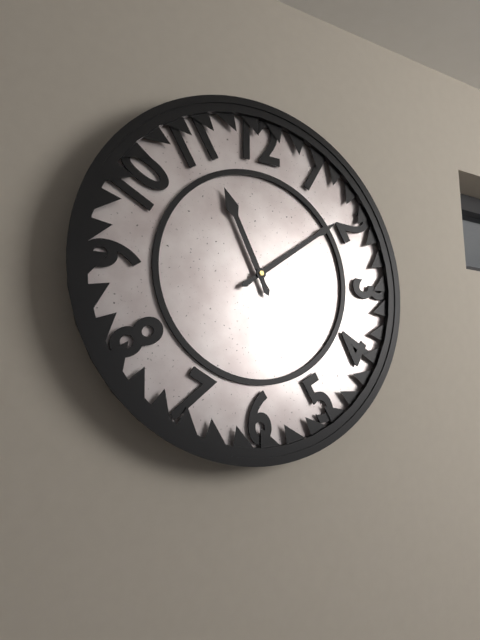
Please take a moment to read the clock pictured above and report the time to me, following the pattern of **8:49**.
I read **11:09**
